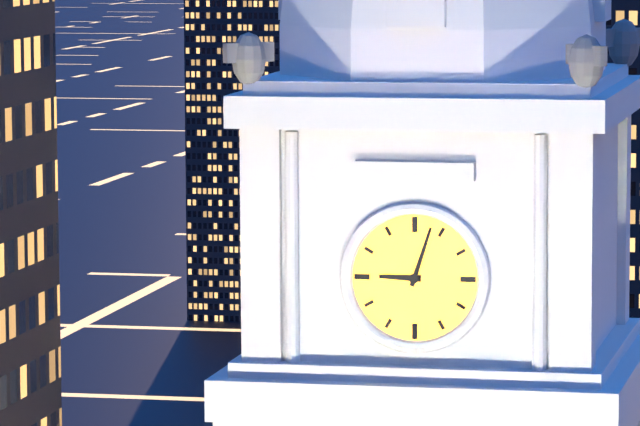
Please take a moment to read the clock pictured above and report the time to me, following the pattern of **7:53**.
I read **9:03**
